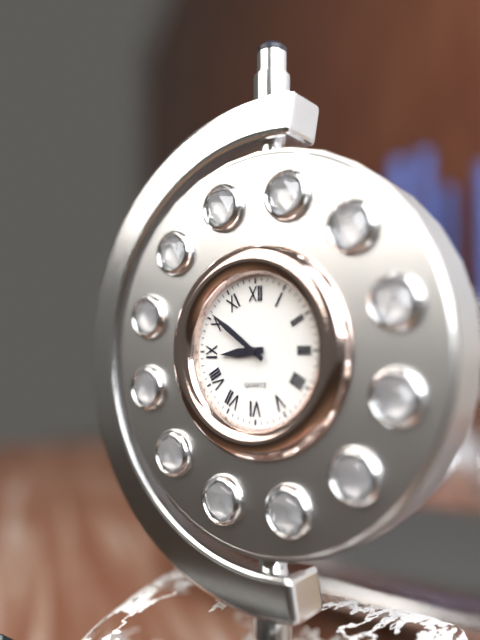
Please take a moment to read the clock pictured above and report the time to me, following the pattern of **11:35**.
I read **8:51**
